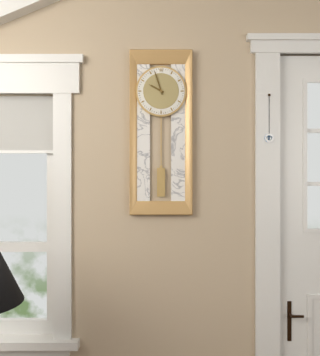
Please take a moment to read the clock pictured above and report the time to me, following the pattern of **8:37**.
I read **9:57**
